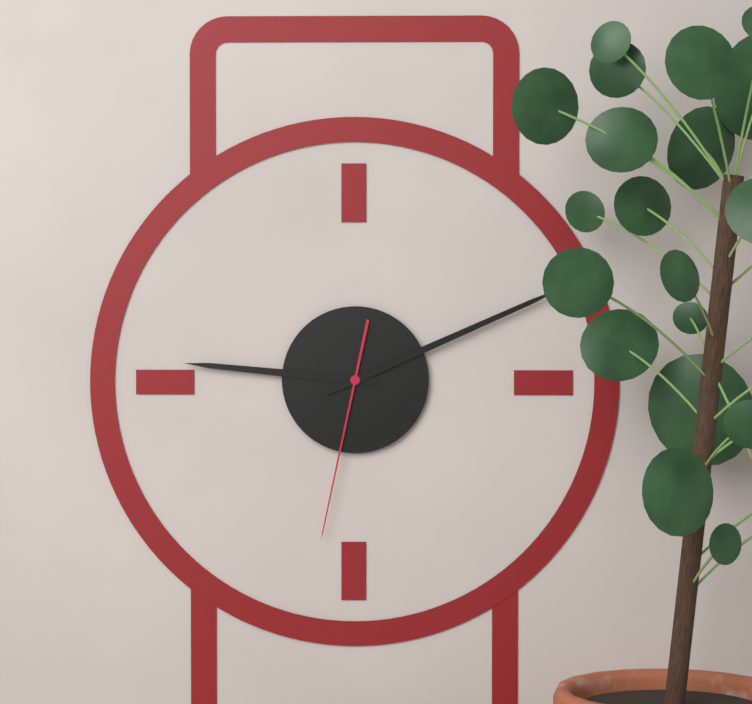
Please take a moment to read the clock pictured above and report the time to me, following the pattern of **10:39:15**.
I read **9:11:32**
